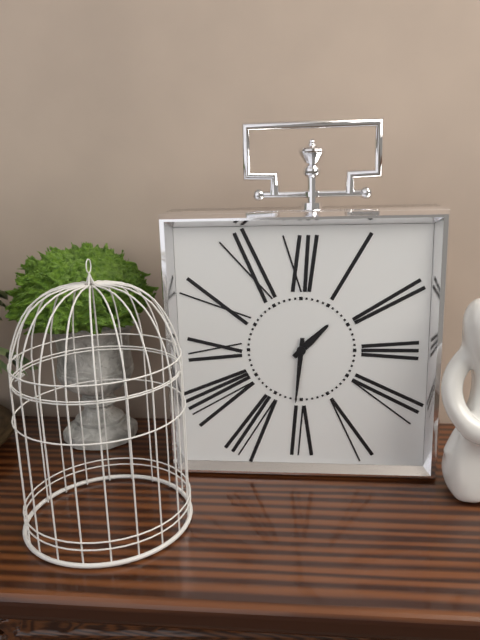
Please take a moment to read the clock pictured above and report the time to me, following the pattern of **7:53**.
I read **1:31**
